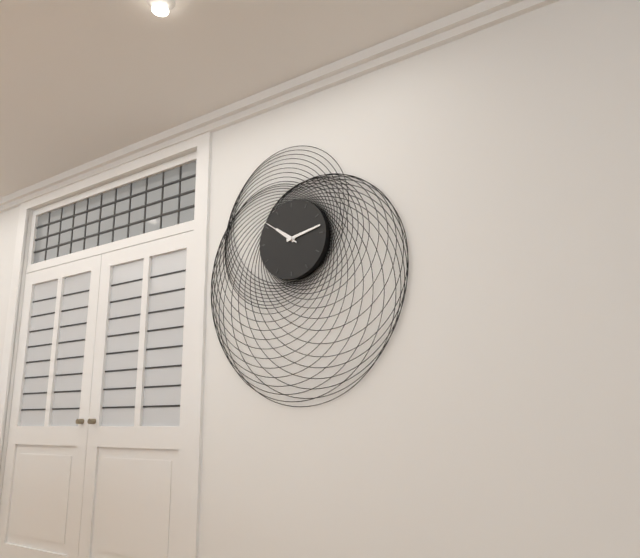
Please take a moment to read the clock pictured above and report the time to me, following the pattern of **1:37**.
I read **10:13**
